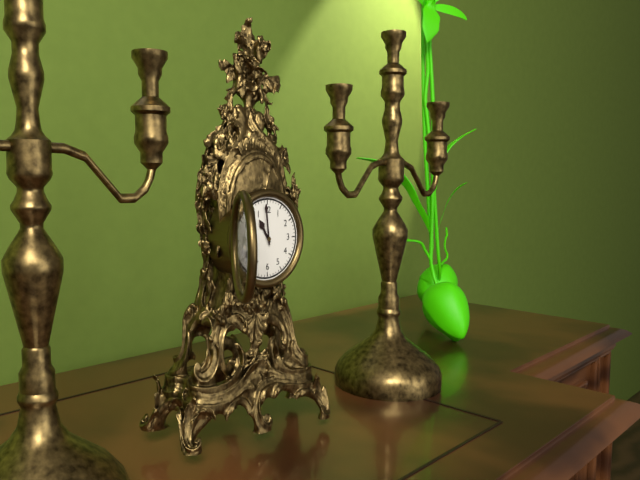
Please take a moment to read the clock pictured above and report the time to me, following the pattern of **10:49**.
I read **10:59**
